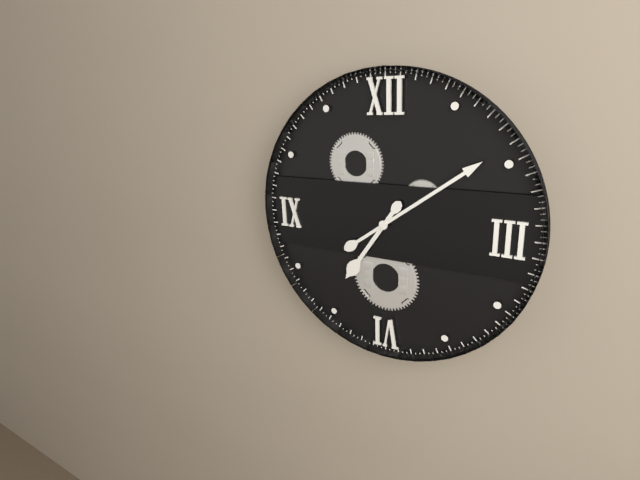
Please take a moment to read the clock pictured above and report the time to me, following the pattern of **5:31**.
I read **7:09**
